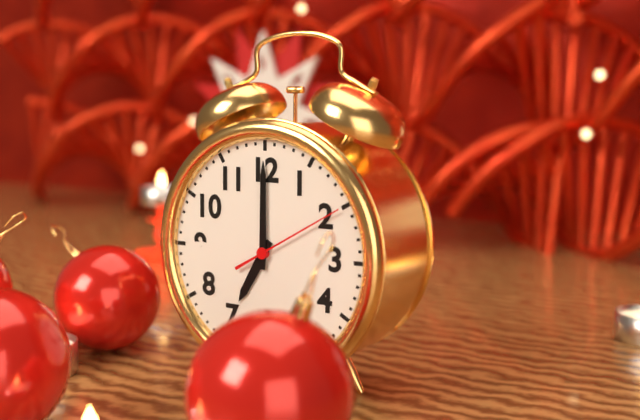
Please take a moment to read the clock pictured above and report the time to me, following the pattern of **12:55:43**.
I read **7:00:10**
